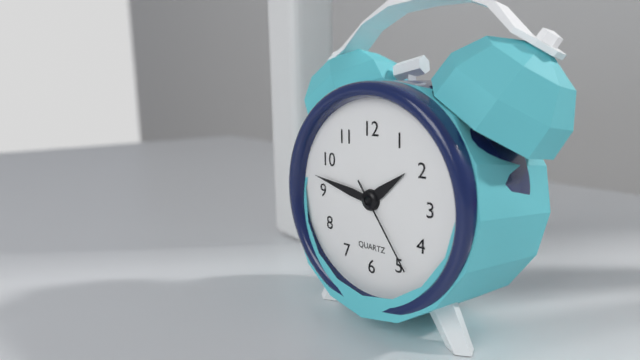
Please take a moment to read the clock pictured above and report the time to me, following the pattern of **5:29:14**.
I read **1:47:24**
